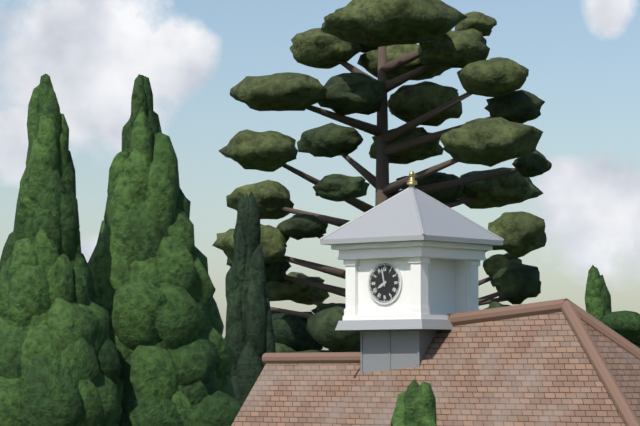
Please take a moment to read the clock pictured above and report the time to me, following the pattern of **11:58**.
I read **7:58**
